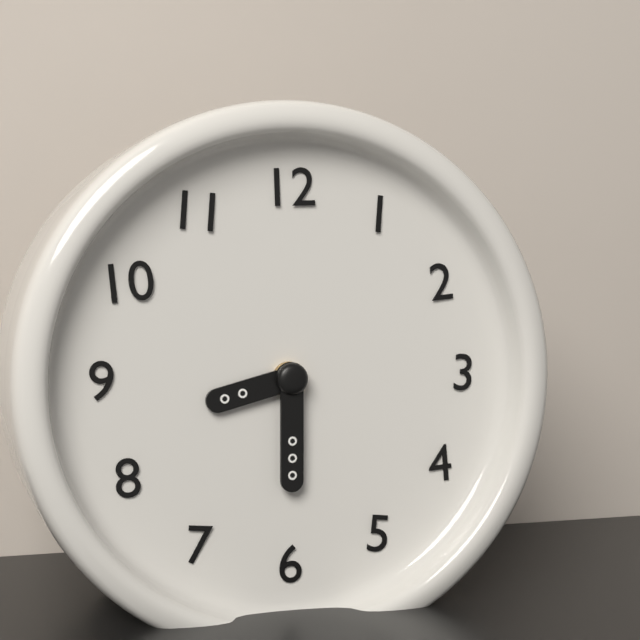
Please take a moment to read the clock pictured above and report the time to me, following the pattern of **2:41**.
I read **8:30**
